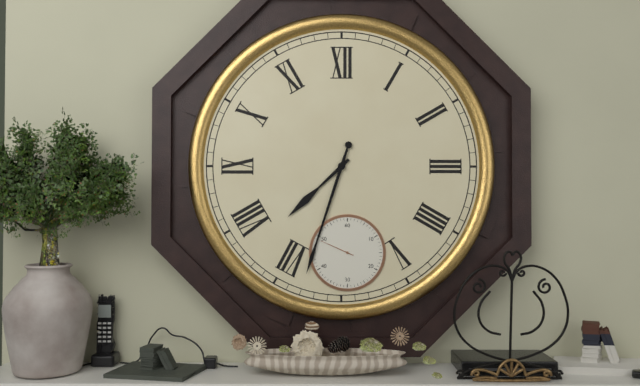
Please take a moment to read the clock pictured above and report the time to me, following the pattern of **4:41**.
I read **7:33**
